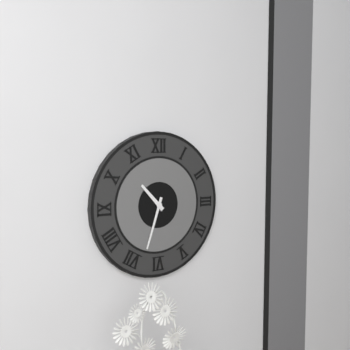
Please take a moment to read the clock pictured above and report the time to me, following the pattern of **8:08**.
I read **10:33**
